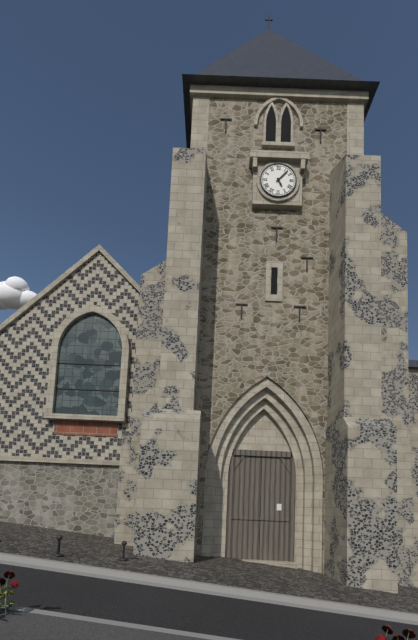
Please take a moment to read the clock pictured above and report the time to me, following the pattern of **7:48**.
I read **5:07**
